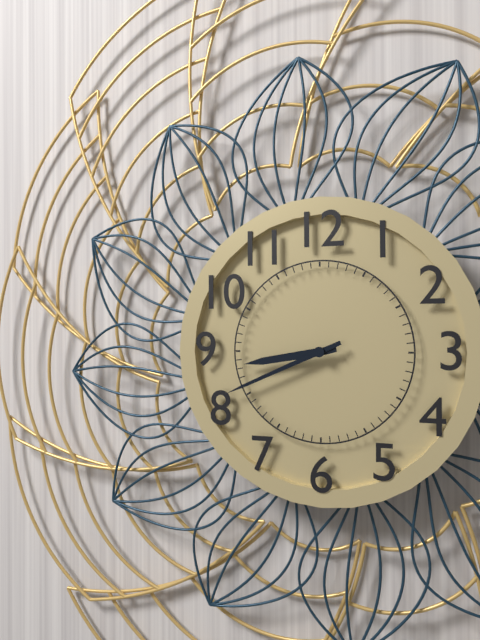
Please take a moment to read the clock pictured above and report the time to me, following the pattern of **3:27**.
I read **8:41**
